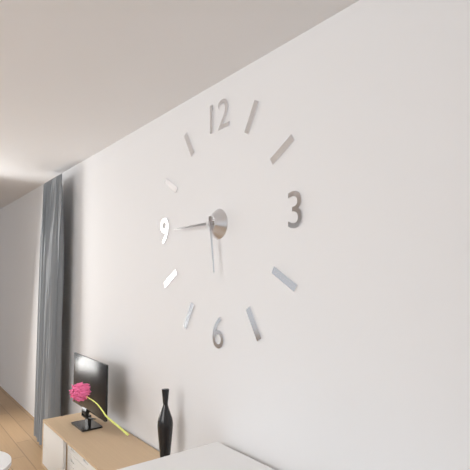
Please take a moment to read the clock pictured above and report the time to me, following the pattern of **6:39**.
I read **5:45**
